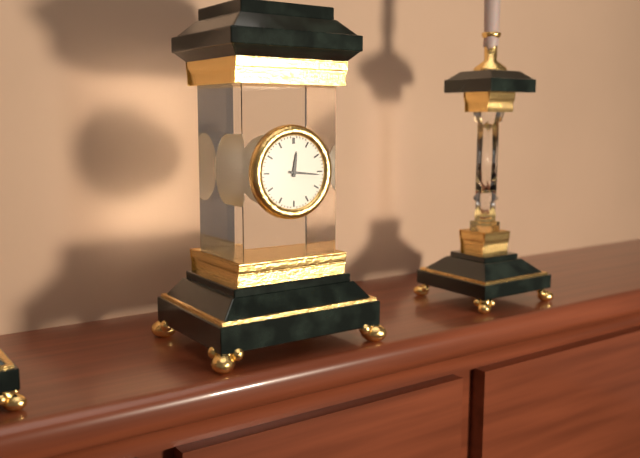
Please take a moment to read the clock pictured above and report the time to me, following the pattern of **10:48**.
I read **12:16**
